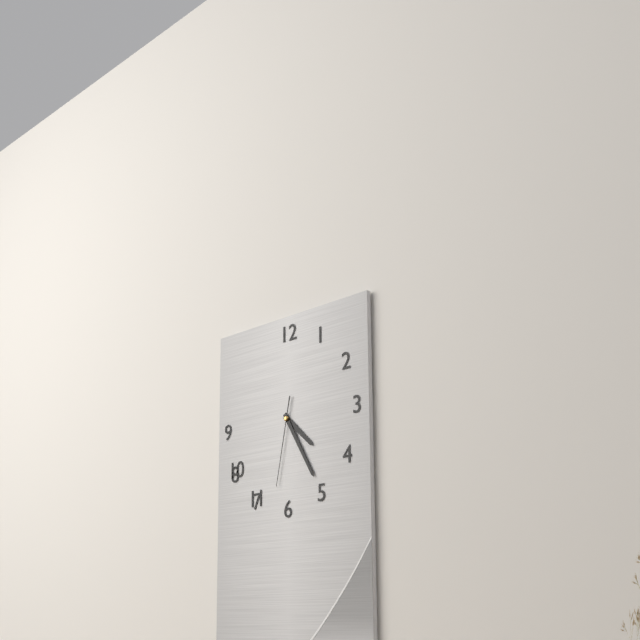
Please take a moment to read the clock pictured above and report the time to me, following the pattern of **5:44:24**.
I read **4:25:32**
